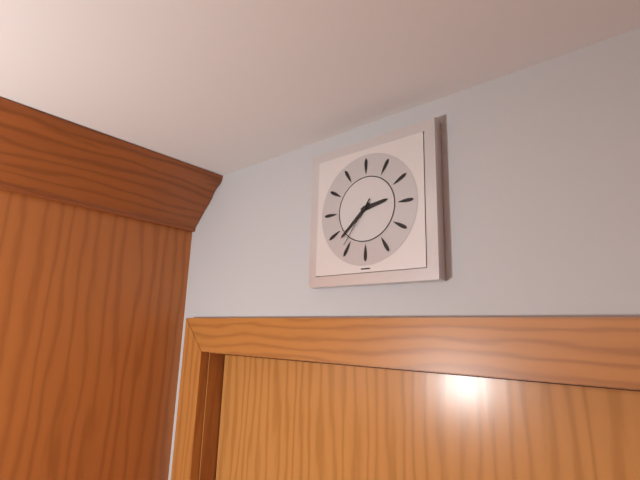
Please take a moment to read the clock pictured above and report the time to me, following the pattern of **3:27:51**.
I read **2:38:36**
